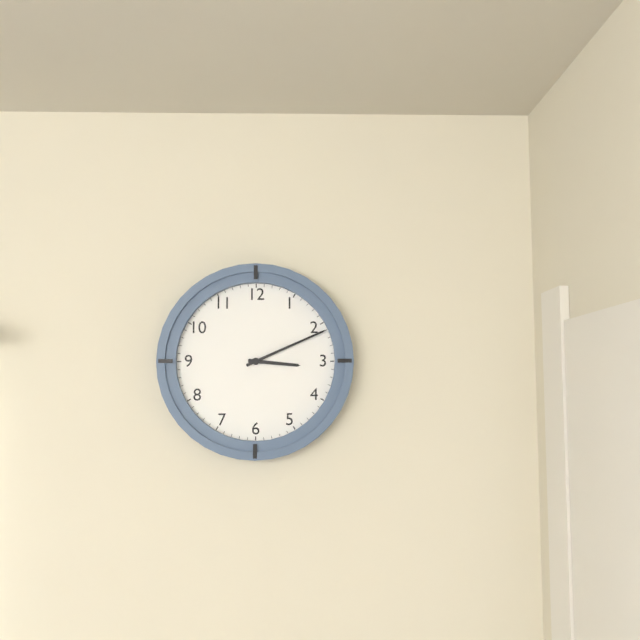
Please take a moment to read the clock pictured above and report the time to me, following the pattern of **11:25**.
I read **3:11**
